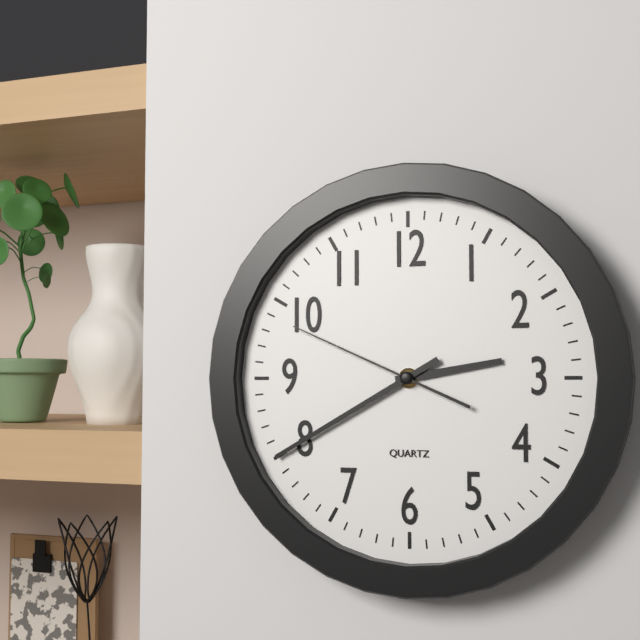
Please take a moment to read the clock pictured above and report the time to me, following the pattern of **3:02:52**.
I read **2:40:49**
